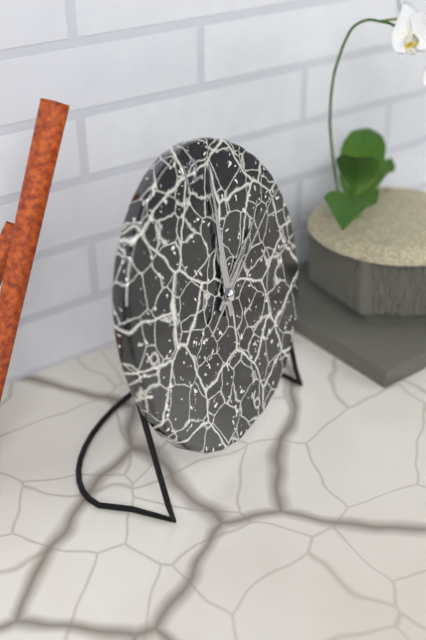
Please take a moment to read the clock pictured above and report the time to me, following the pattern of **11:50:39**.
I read **2:02:11**
